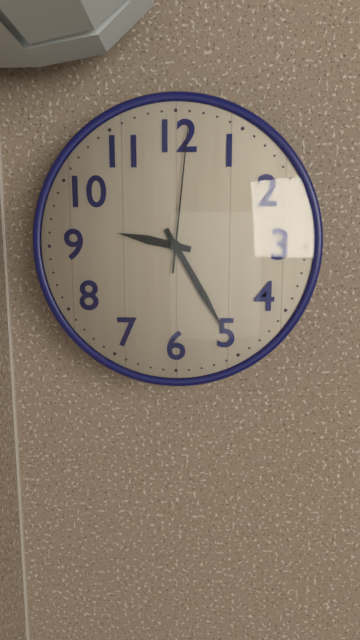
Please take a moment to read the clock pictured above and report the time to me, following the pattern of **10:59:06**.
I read **9:25:01**
